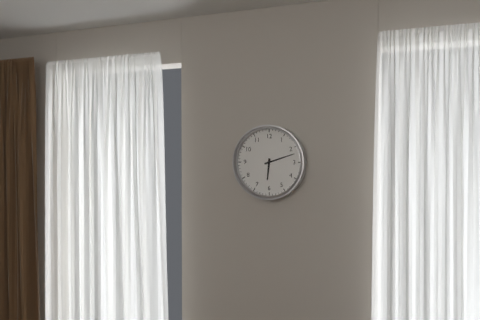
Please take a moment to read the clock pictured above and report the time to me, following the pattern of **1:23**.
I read **6:12**
